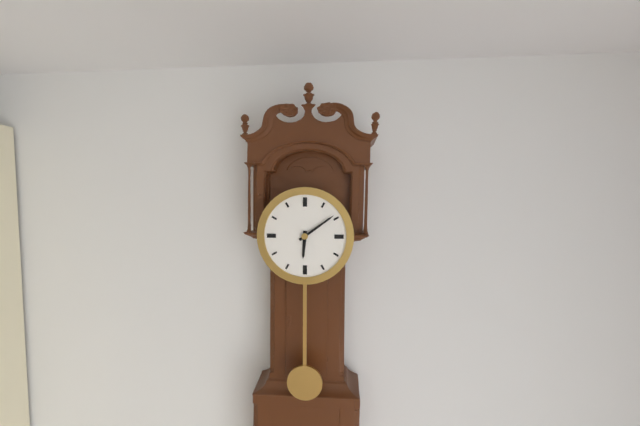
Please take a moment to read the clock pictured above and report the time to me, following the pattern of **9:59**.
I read **6:09**
